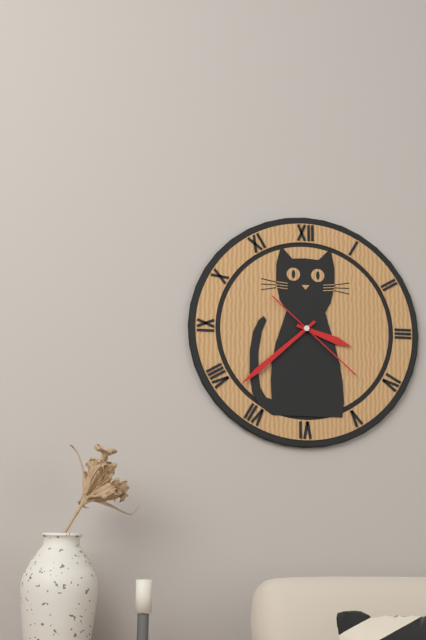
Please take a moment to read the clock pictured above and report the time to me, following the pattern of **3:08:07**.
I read **3:38:22**
